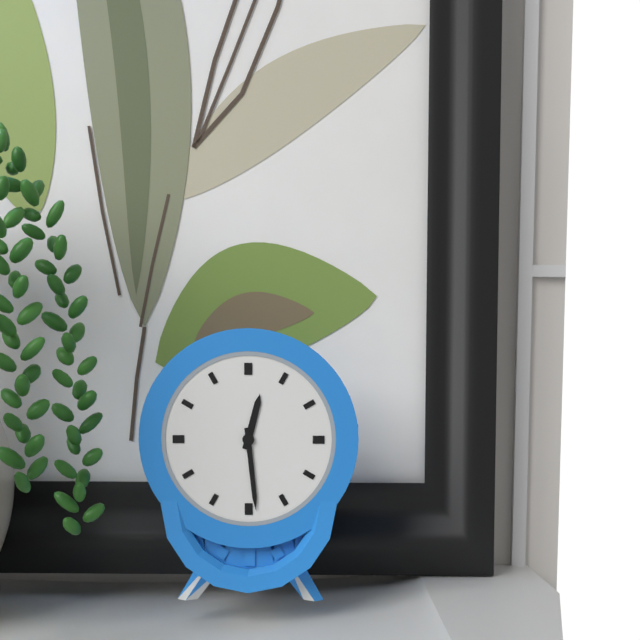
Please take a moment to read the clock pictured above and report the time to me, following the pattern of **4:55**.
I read **12:29**
